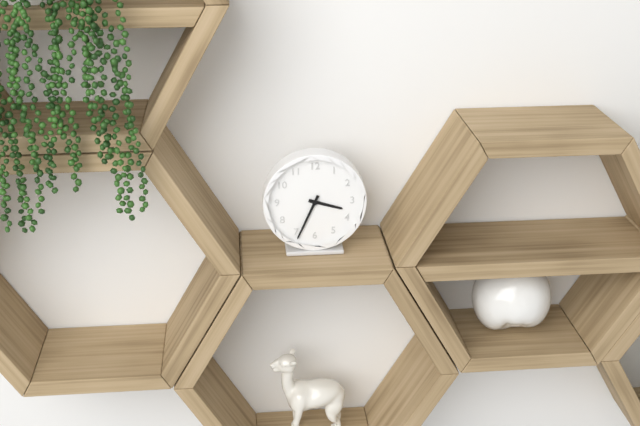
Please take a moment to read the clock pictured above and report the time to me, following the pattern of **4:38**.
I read **3:34**
